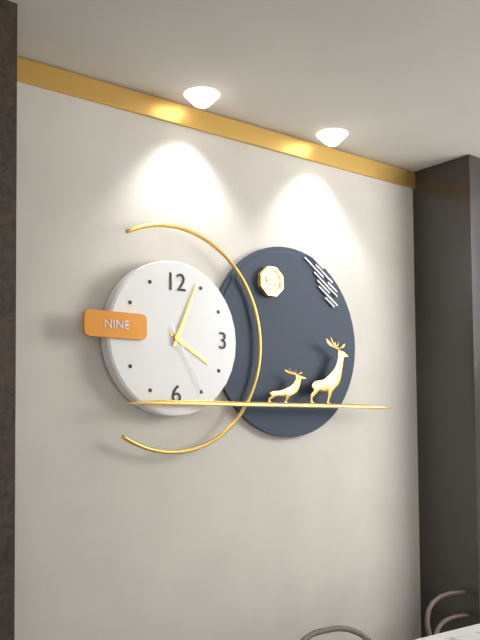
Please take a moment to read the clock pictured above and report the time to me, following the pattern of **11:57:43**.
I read **4:04:25**
